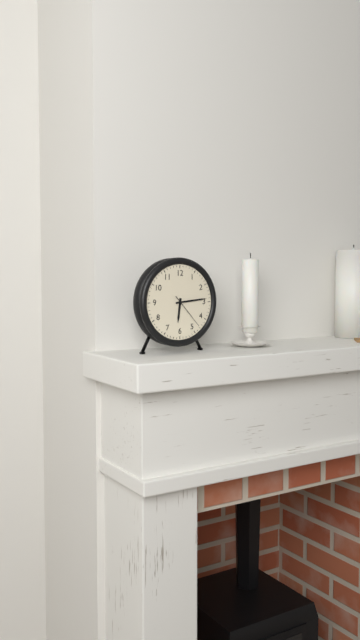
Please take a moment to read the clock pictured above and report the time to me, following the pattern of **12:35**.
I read **6:14**
